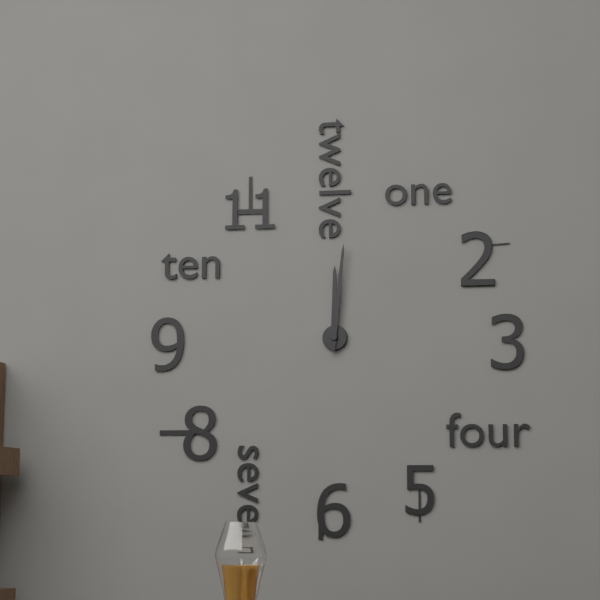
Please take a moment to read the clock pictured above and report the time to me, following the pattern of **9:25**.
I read **12:01**
